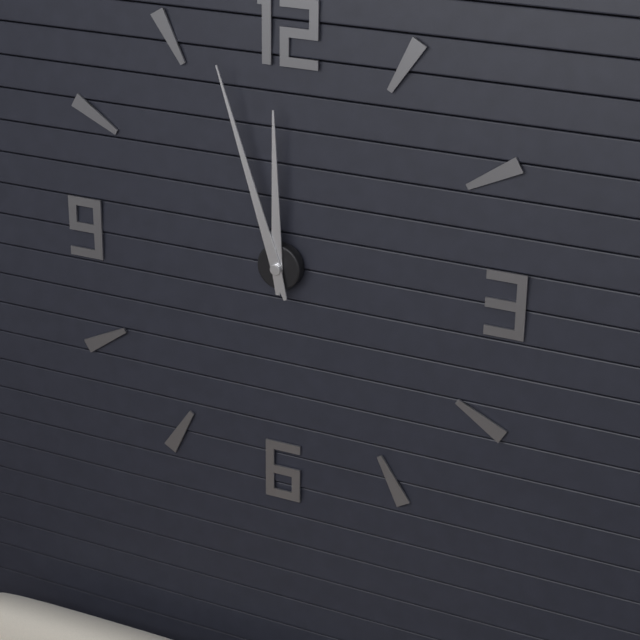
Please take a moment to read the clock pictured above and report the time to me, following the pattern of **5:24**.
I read **11:57**
